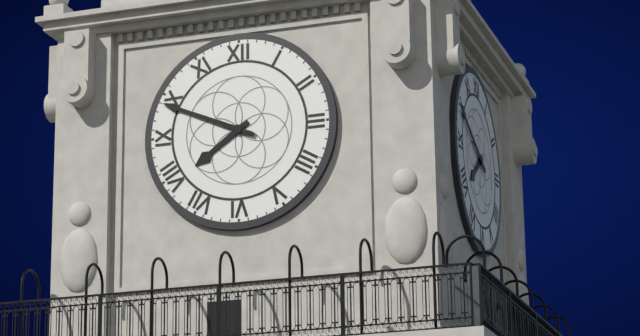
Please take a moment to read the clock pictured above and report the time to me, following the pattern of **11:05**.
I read **7:49**
